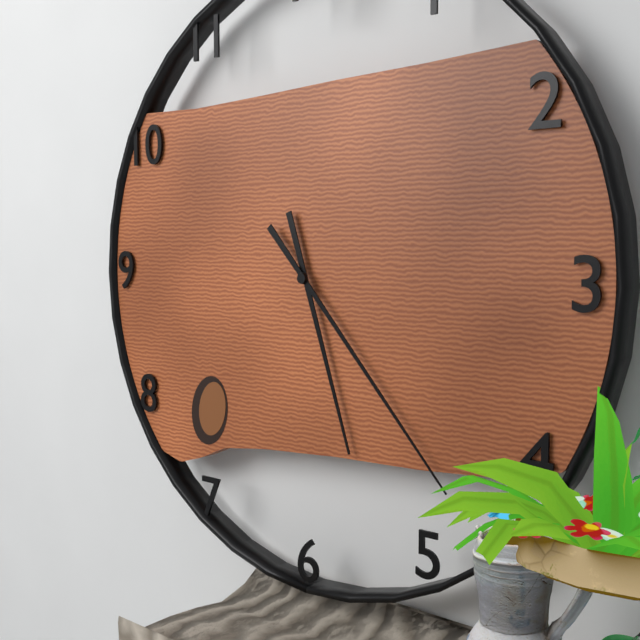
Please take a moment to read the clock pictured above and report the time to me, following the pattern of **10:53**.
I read **5:23**
